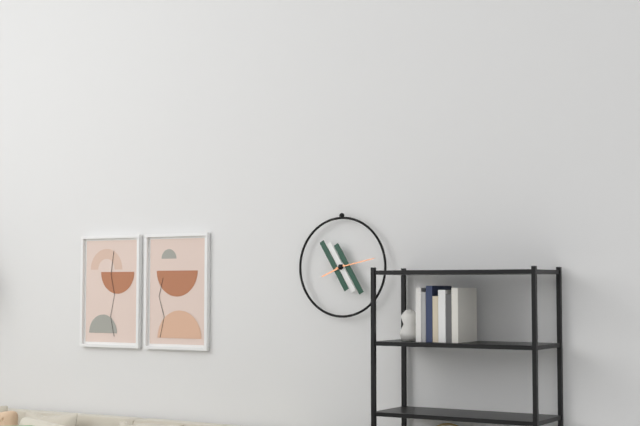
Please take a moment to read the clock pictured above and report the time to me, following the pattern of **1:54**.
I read **8:13**
